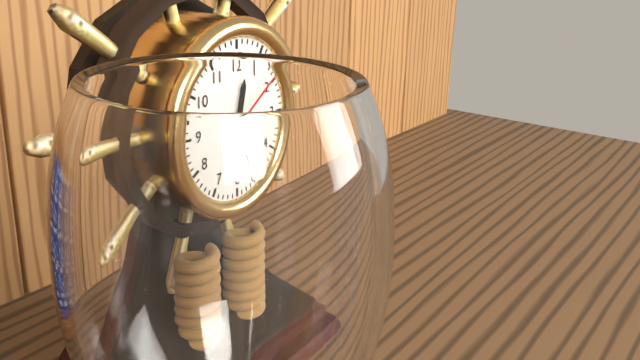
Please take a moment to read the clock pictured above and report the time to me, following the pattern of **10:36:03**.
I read **12:27:09**
